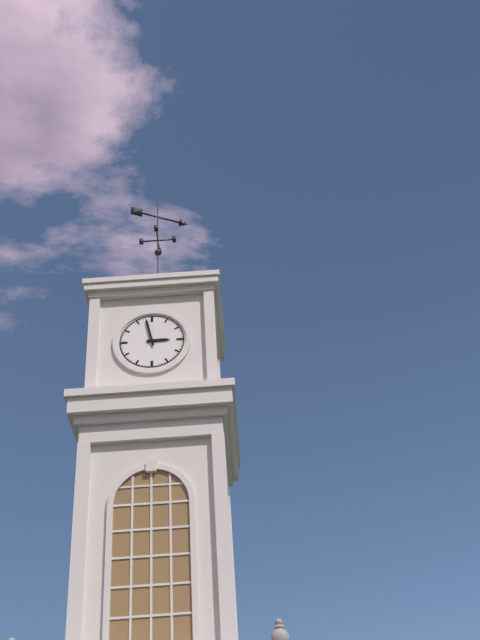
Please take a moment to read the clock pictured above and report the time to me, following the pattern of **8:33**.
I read **2:58**
